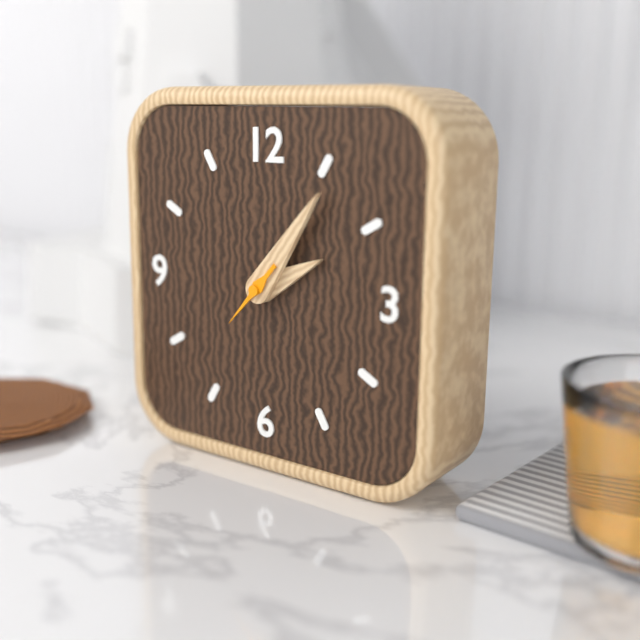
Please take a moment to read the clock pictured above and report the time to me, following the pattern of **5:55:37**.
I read **2:06:37**
